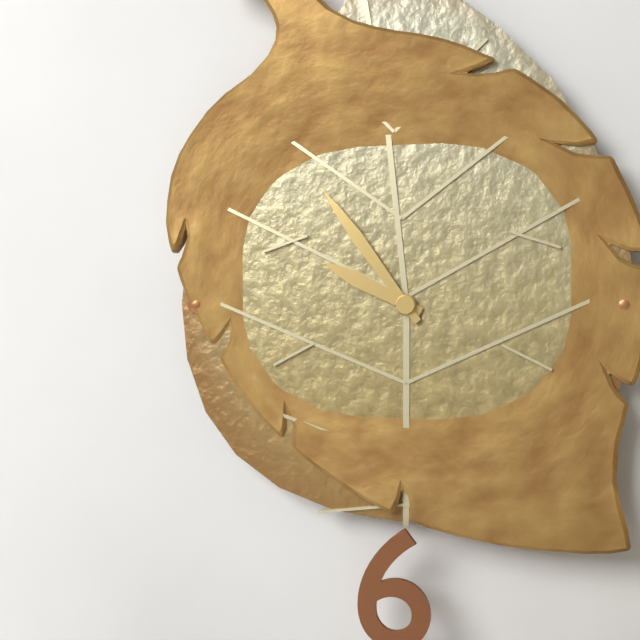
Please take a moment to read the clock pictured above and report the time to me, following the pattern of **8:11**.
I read **9:54**
